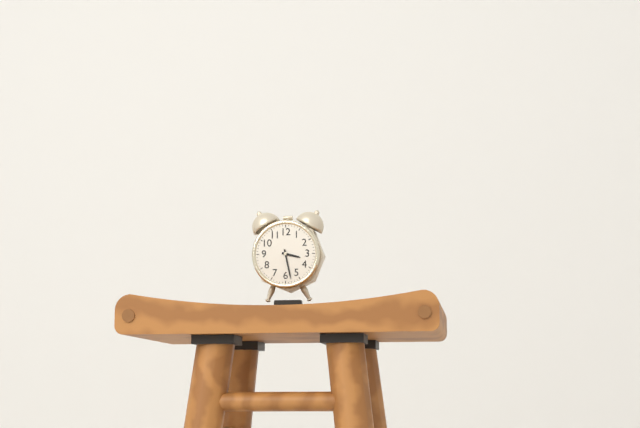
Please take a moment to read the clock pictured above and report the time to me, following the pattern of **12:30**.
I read **3:28**
